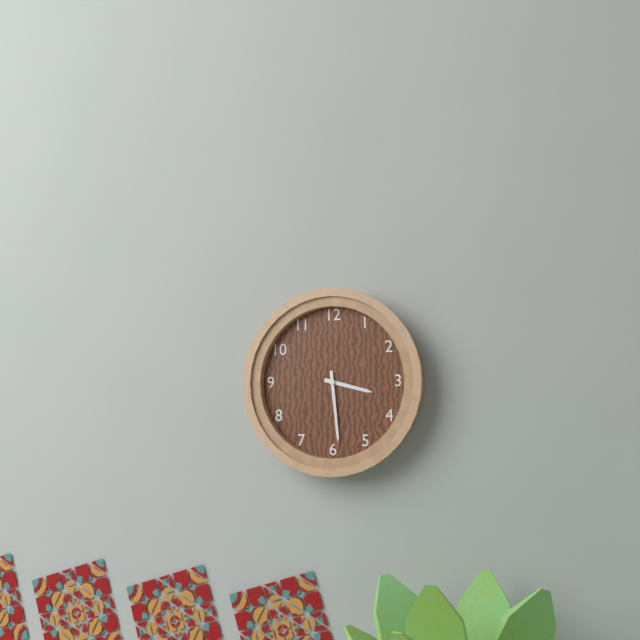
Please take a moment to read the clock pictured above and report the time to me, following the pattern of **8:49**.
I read **3:29**
